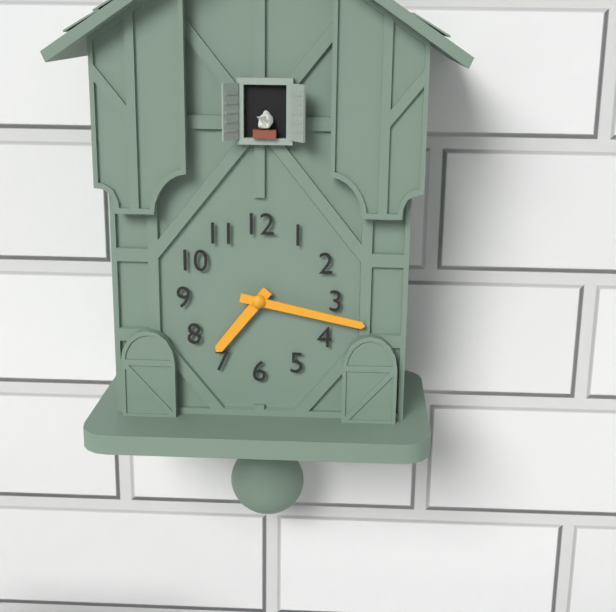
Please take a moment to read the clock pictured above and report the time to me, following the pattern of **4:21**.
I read **7:17**
